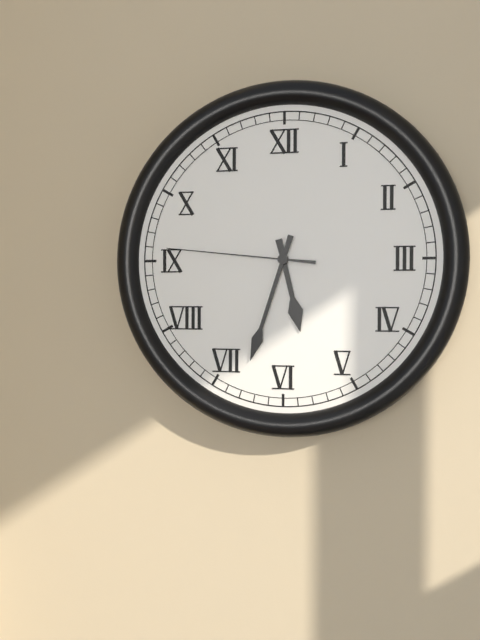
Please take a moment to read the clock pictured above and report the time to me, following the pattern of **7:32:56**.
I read **5:33:46**
